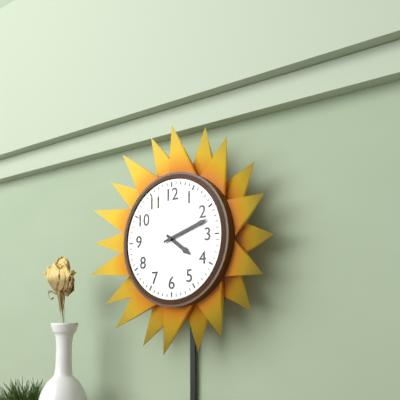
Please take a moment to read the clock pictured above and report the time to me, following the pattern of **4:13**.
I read **4:12**
